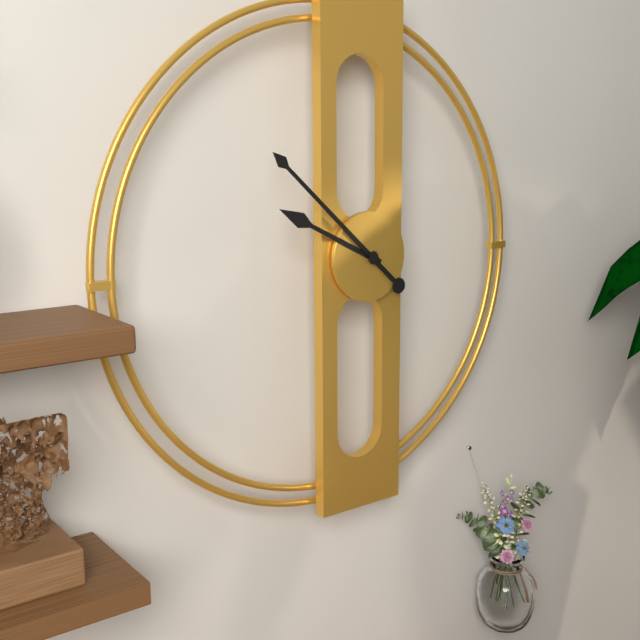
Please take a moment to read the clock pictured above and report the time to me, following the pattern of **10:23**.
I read **9:52**
